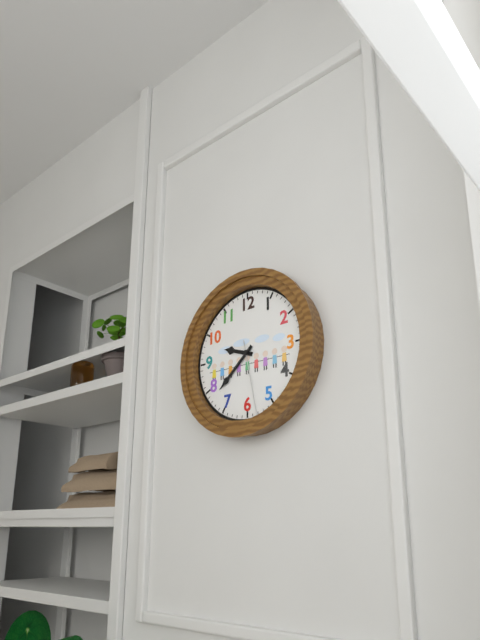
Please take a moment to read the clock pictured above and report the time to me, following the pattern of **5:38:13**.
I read **9:38:28**
